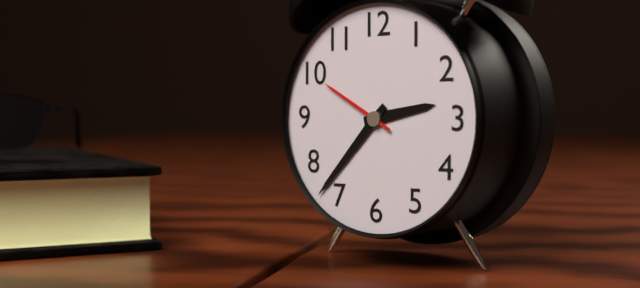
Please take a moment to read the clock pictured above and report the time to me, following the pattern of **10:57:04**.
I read **2:37:50**
